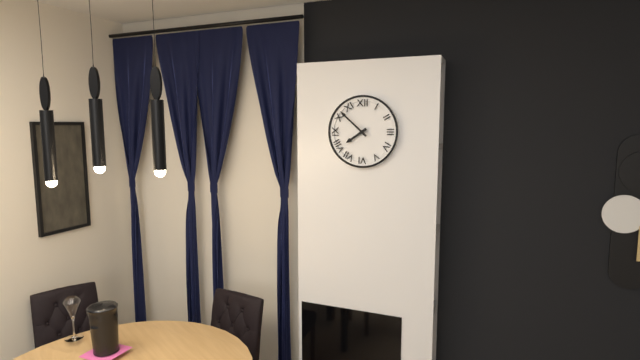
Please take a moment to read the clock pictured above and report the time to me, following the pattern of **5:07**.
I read **7:52**
